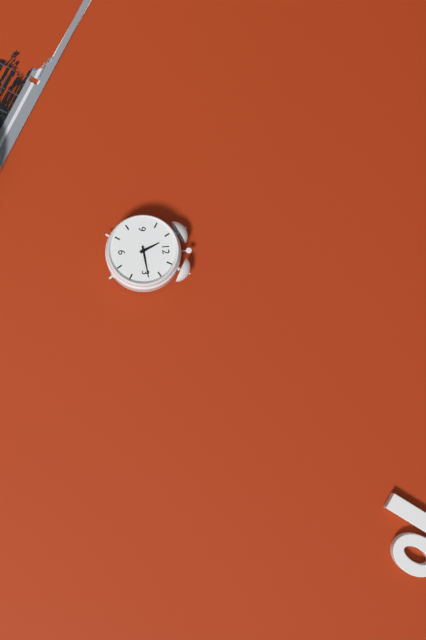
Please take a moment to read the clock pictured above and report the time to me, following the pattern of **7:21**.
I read **11:14**
